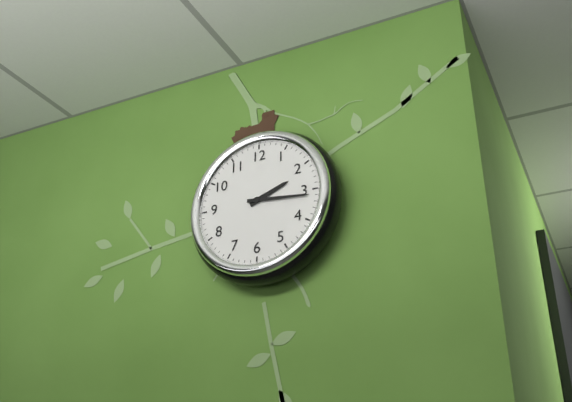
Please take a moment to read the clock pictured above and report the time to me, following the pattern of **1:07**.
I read **2:16**
